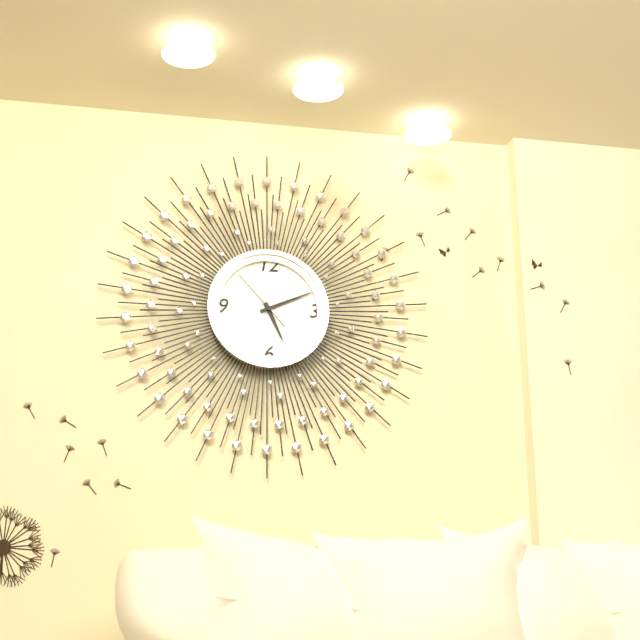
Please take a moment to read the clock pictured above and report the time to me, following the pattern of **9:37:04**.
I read **5:11:53**
